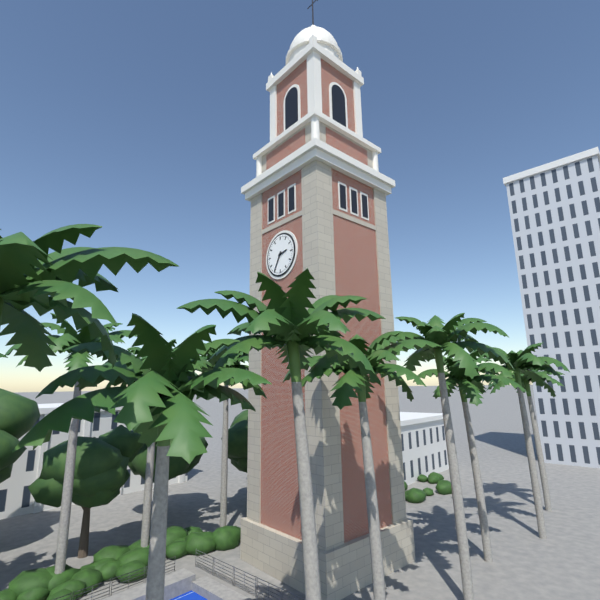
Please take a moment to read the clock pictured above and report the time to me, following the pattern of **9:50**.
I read **2:35**
